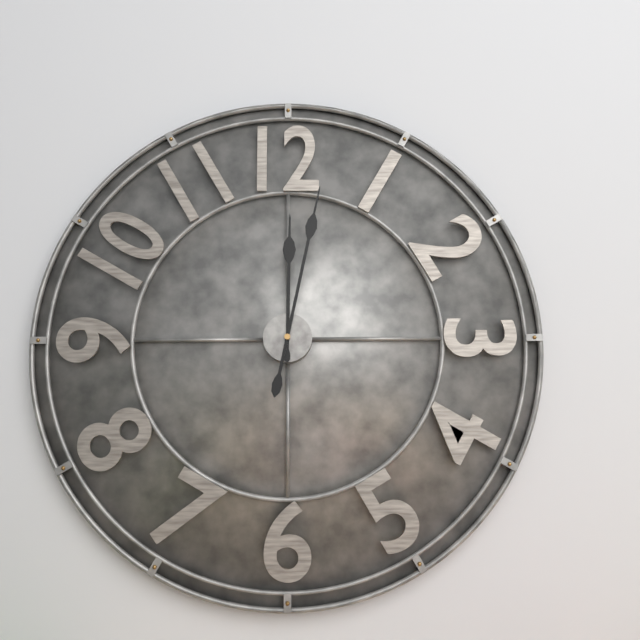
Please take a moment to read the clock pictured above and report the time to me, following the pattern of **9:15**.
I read **12:02**
